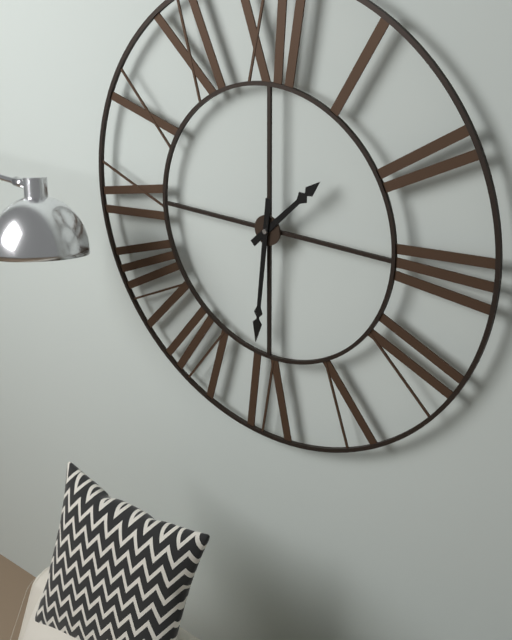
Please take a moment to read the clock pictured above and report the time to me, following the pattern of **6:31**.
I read **1:31**
